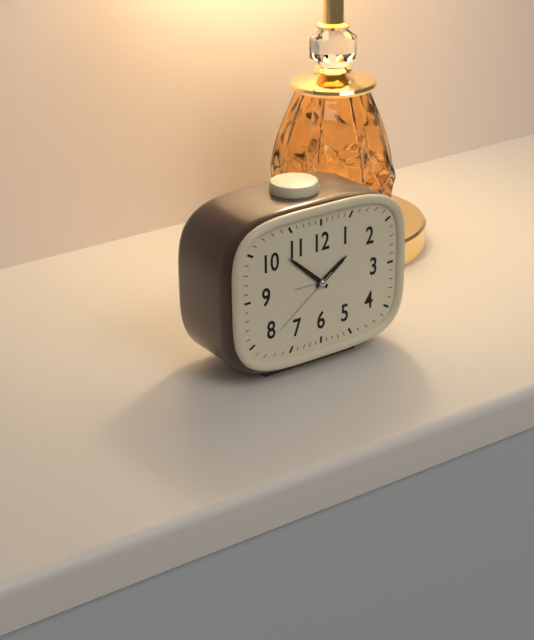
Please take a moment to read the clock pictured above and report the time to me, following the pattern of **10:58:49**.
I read **1:52:39**
